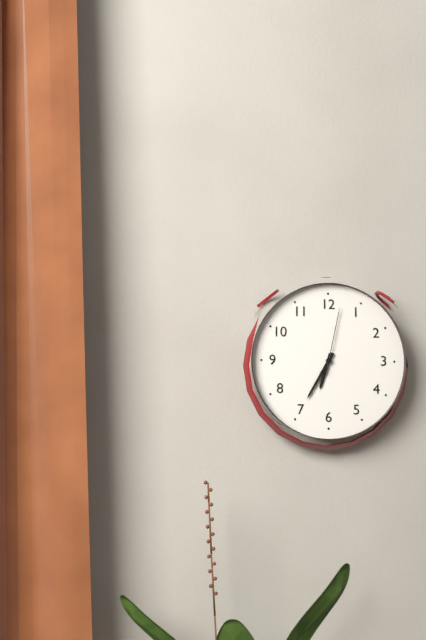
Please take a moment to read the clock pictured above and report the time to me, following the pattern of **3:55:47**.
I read **6:35:02**
